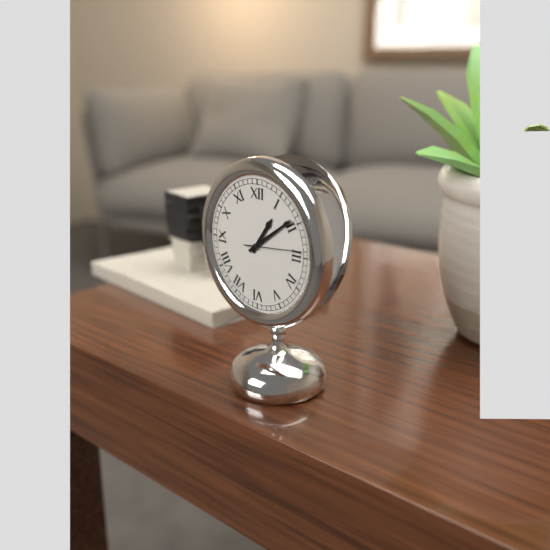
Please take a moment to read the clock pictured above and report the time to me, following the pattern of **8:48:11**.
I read **1:09:14**
